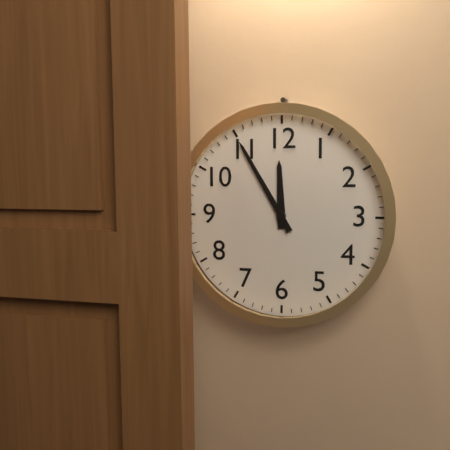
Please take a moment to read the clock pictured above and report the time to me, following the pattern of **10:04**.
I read **11:55**
